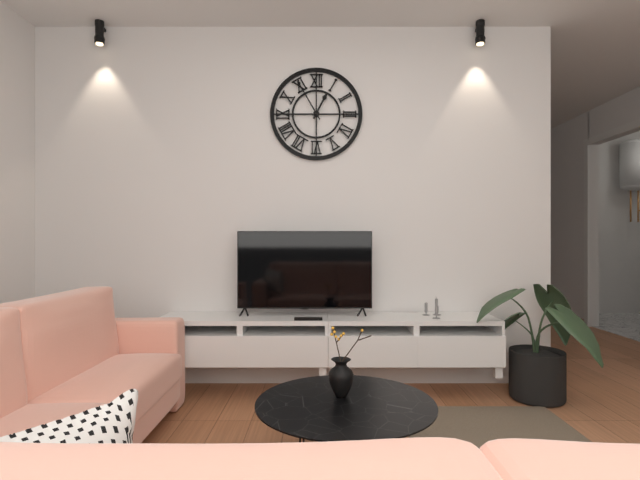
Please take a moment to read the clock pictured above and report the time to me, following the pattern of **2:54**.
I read **12:55**
